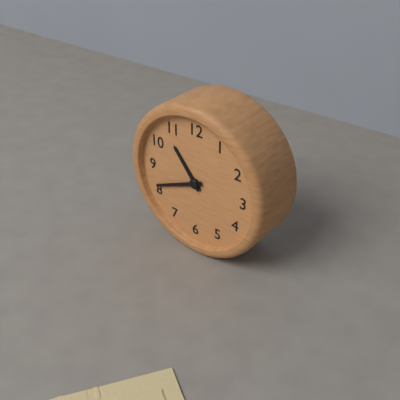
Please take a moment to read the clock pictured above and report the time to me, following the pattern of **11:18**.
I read **10:41**
